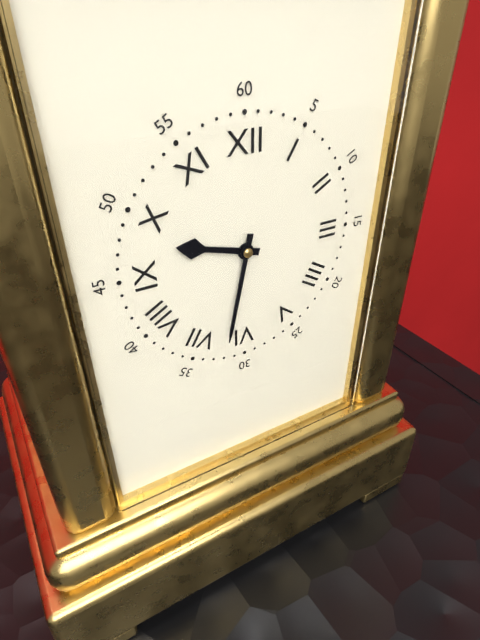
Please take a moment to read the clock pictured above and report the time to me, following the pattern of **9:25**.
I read **9:32**
